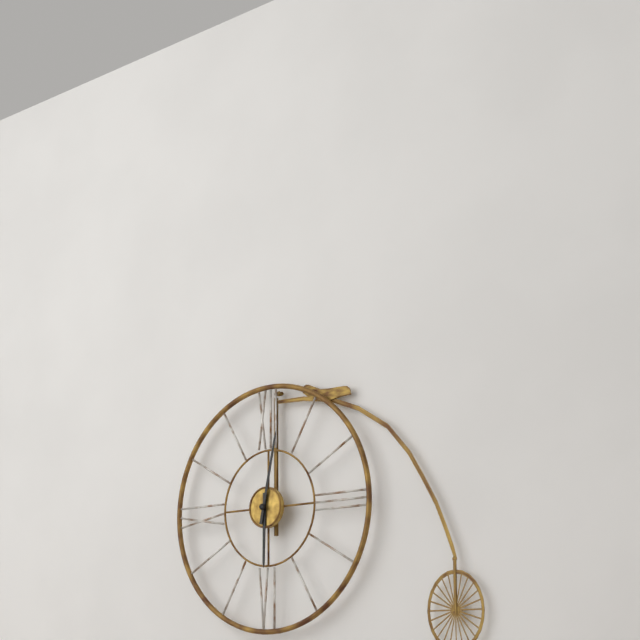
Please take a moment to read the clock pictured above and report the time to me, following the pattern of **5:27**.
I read **6:02**
